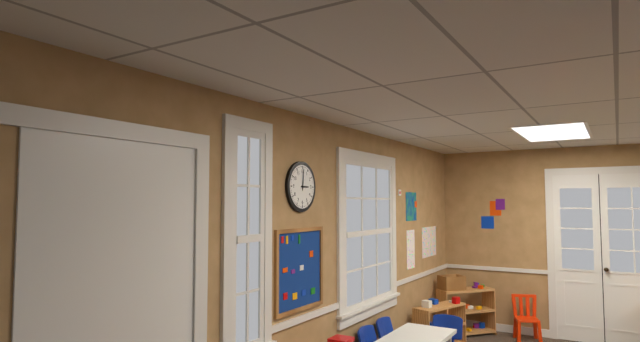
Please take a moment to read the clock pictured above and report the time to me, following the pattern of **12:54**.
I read **3:01**
